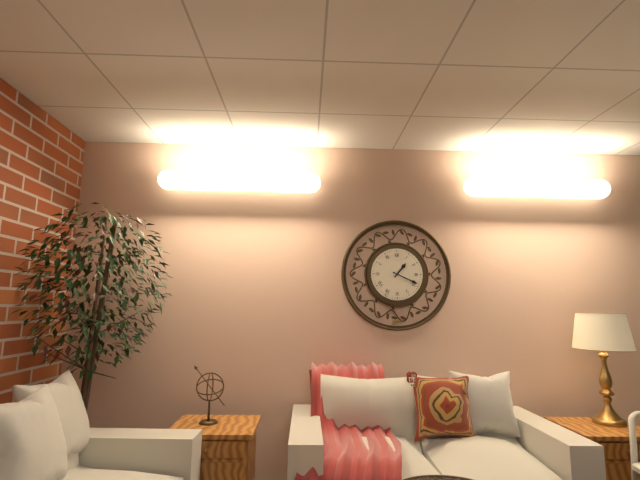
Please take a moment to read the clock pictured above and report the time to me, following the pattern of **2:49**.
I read **1:19**
